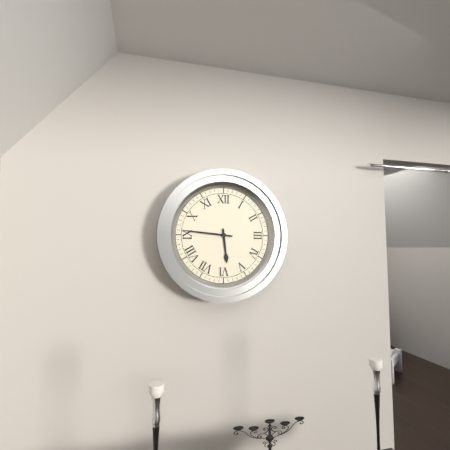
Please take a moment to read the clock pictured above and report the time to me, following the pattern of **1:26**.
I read **5:46**
